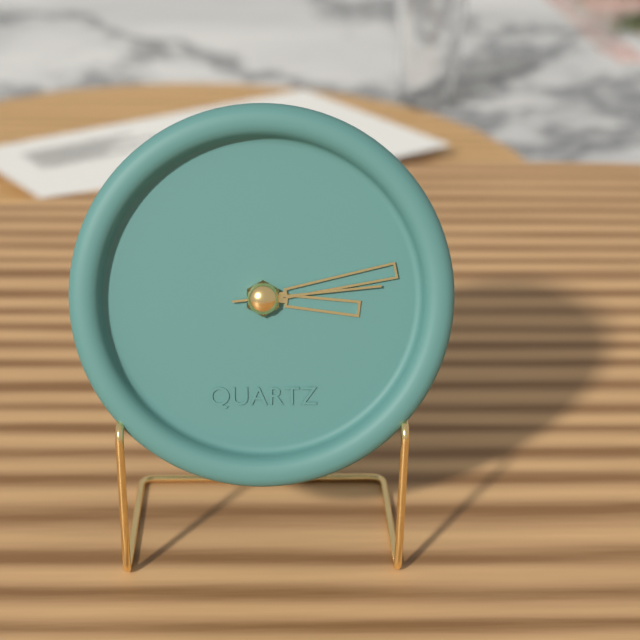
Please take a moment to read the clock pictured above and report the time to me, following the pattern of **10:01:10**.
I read **3:13:14**
